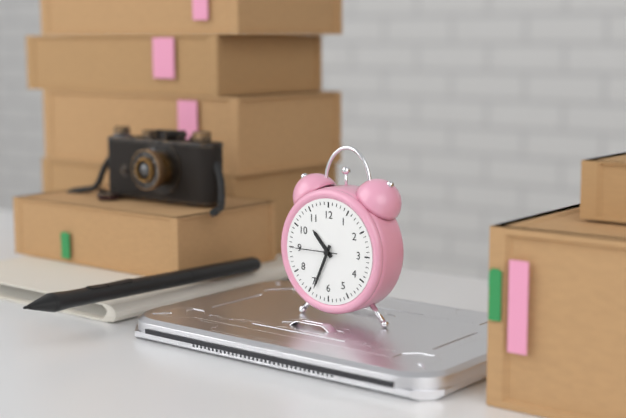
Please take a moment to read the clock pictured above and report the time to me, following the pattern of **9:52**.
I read **10:34**
